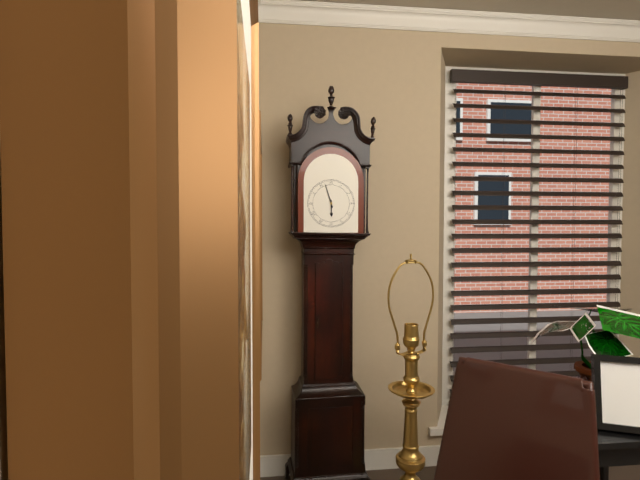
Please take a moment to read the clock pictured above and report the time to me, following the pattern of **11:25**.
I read **5:57**
